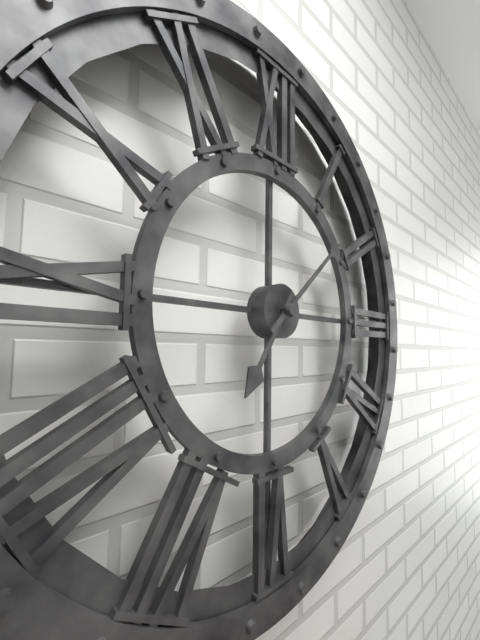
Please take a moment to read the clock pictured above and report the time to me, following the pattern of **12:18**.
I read **7:08**
